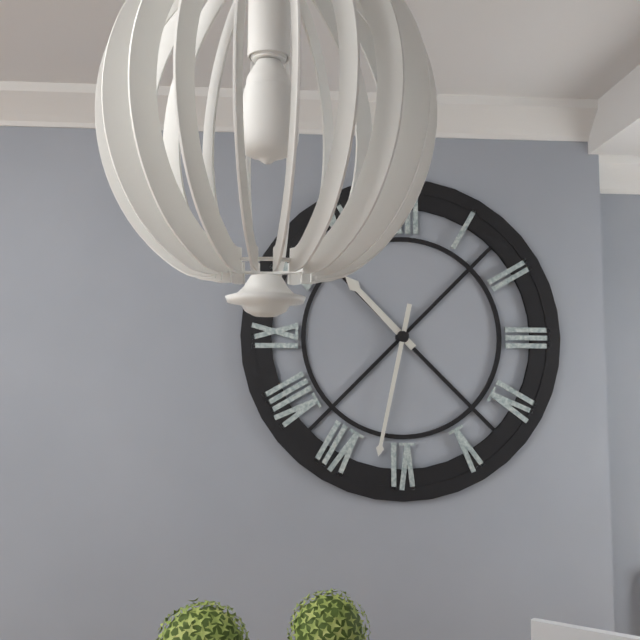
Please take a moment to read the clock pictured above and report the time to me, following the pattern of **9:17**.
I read **10:32**
